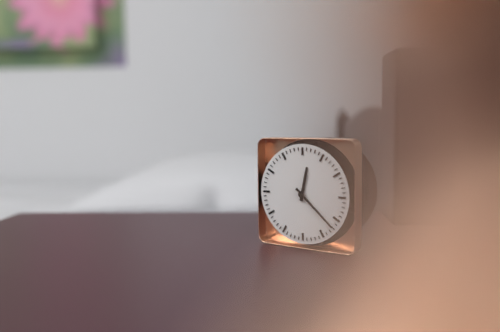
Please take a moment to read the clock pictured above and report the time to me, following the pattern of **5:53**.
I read **12:22**
